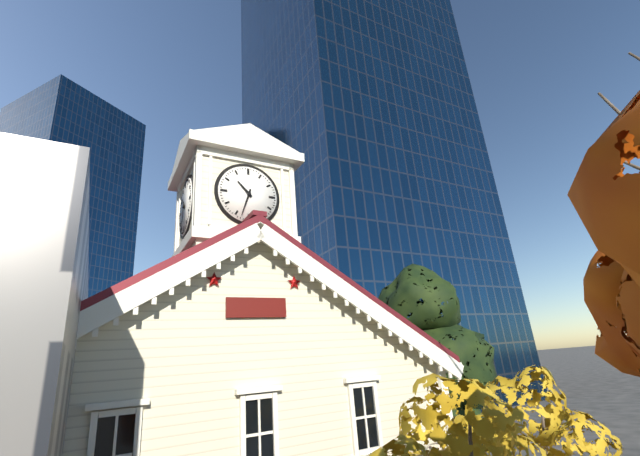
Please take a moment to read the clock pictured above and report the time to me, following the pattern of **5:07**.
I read **10:33**
